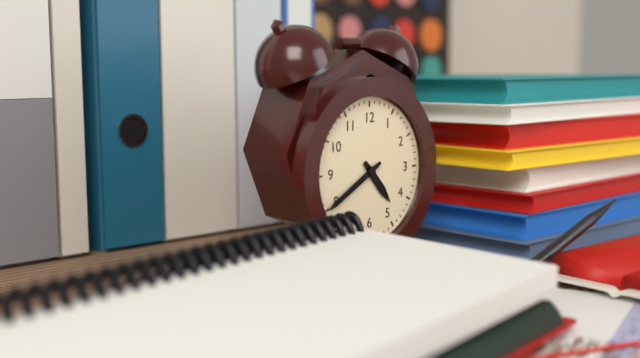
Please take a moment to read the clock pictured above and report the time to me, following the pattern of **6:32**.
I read **4:40**
